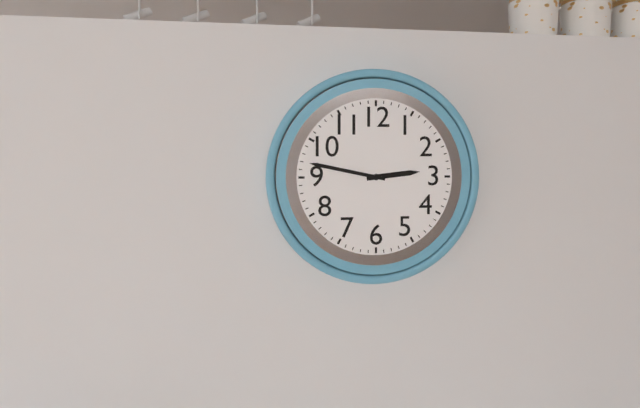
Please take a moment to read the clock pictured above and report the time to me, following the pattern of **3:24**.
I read **2:47**
